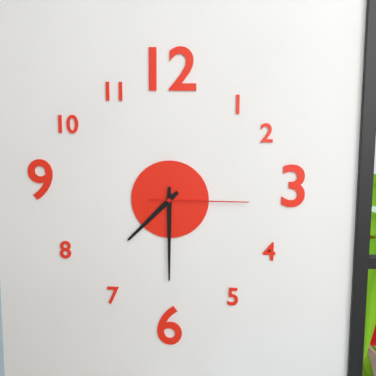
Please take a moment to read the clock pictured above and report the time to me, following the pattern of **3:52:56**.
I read **7:30:15**
